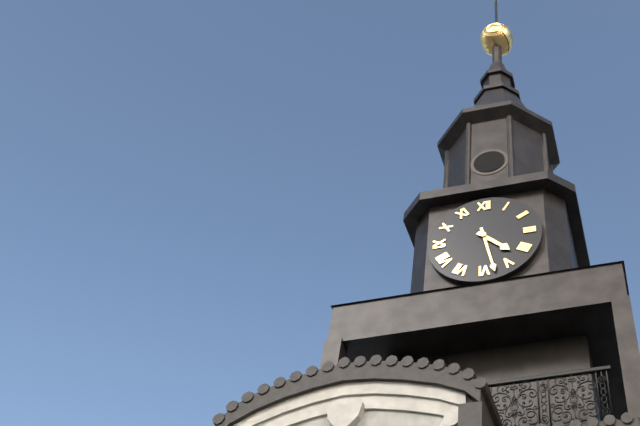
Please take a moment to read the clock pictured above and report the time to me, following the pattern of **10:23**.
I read **4:28**
